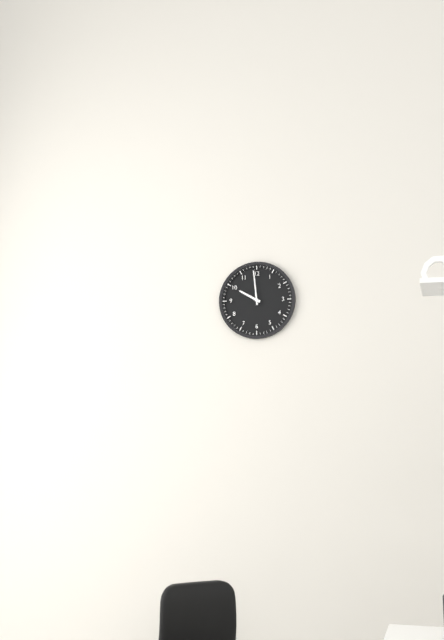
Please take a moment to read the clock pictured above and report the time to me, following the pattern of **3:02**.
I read **9:59**
